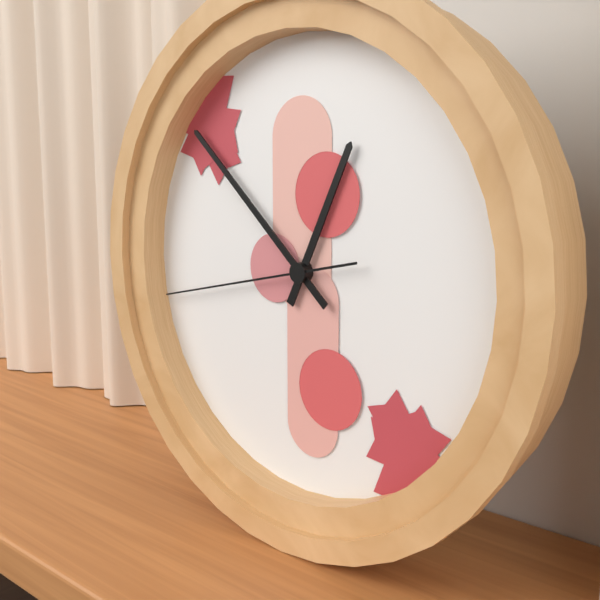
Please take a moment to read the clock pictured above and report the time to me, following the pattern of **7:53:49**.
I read **12:52:43**
